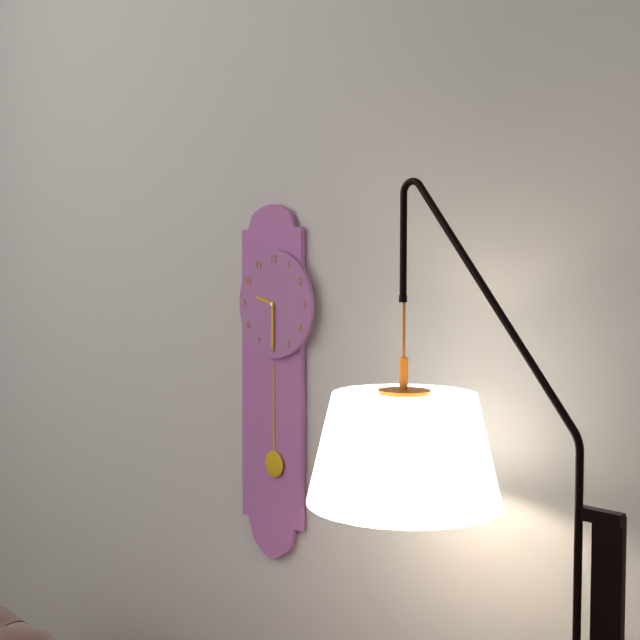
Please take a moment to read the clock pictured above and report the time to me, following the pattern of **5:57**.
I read **9:30**
